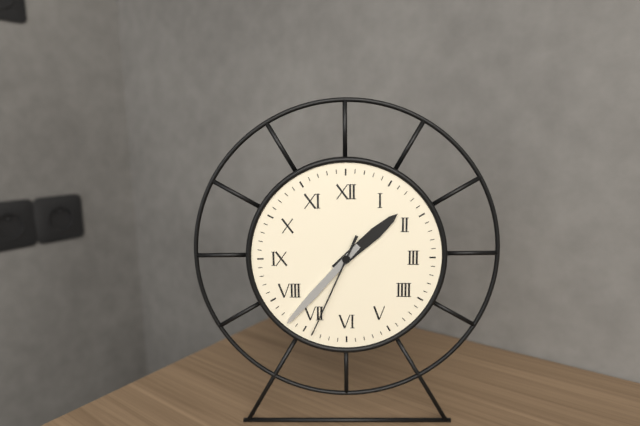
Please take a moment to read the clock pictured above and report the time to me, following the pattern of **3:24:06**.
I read **1:37:34**
